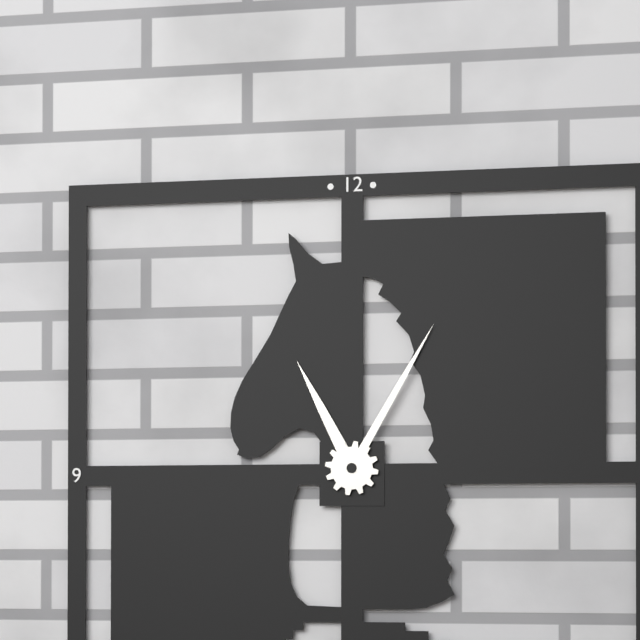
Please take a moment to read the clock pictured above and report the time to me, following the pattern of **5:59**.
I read **11:05**
